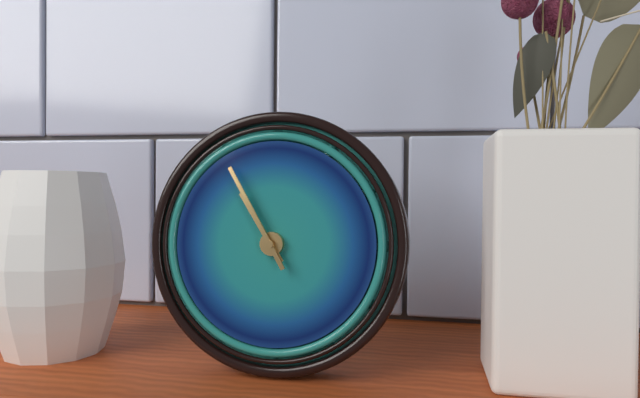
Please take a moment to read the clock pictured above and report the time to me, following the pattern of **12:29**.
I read **10:55**
